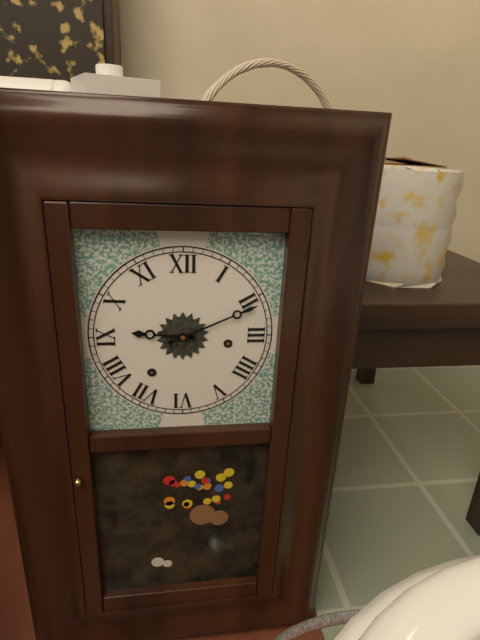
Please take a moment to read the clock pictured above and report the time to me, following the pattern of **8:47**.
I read **9:11**
